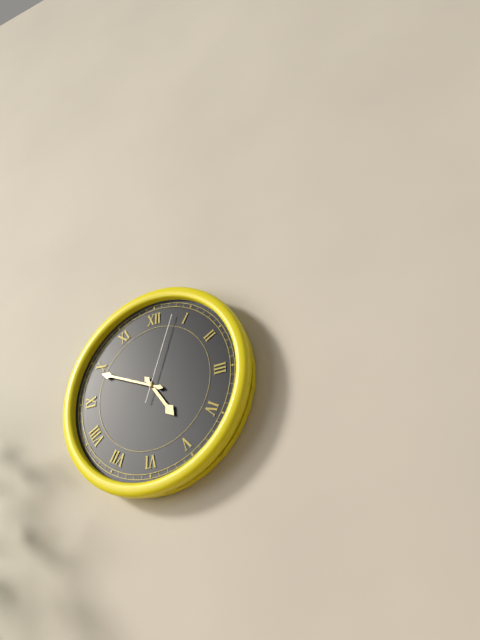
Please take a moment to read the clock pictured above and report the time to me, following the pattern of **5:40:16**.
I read **4:49:03**
